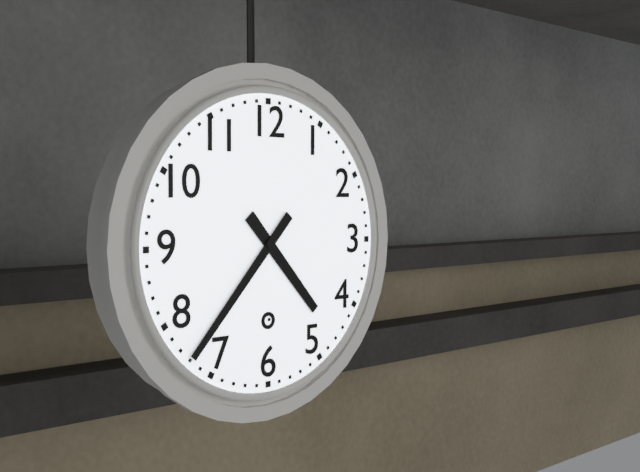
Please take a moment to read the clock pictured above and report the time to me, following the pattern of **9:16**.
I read **4:37**
